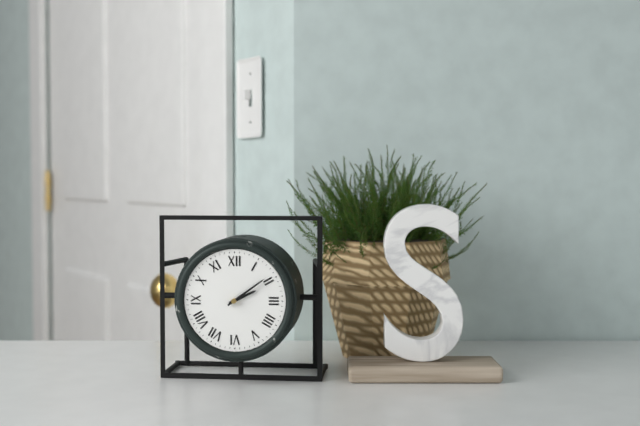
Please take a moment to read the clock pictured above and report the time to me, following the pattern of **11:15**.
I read **2:09**
